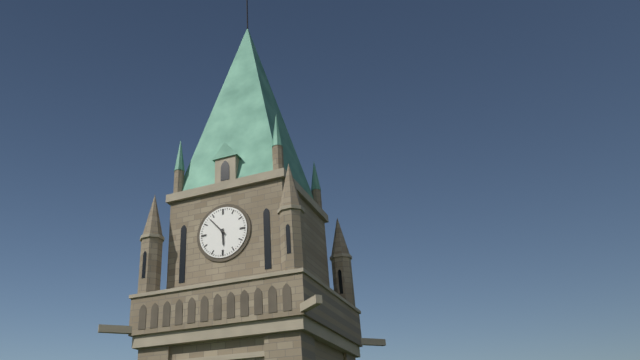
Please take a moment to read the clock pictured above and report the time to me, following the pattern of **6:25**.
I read **5:53**
